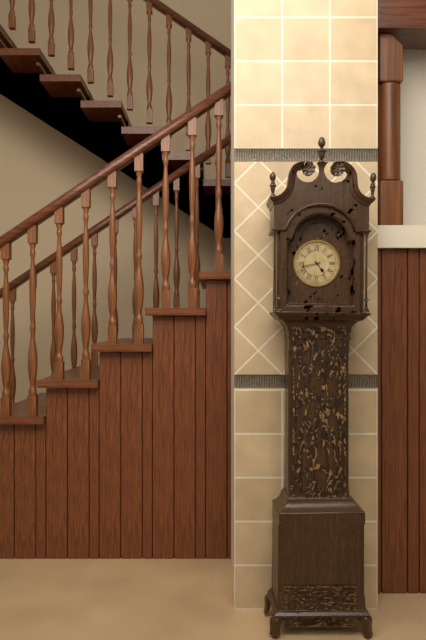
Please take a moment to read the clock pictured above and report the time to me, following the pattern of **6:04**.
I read **4:43**
